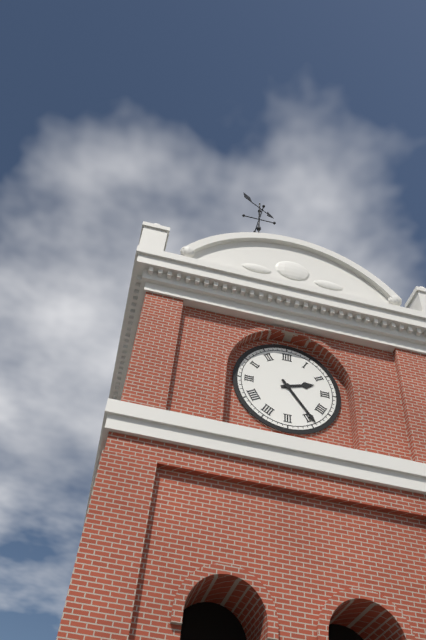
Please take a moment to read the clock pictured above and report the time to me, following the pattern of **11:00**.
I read **2:24**
